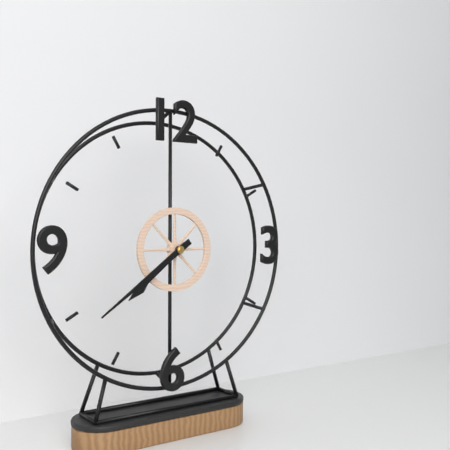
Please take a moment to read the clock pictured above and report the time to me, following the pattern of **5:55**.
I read **7:39**
